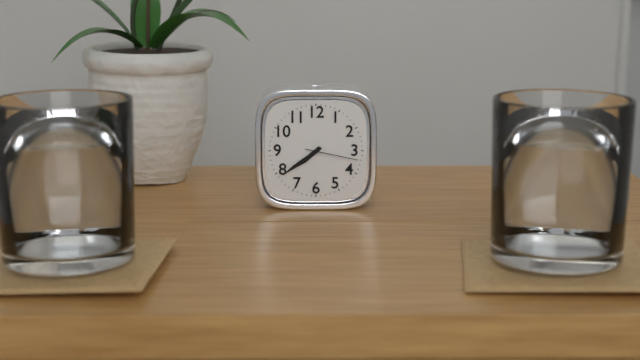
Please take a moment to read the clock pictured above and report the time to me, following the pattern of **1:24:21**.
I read **7:39:17**
